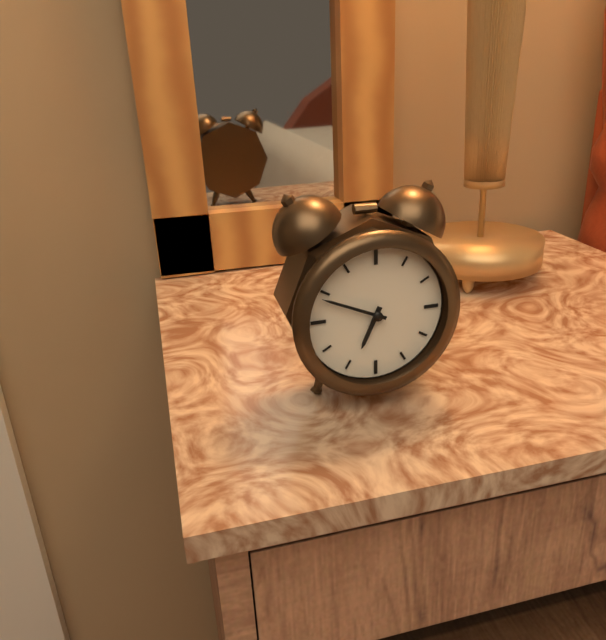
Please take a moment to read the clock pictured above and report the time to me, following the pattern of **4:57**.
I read **6:49**
